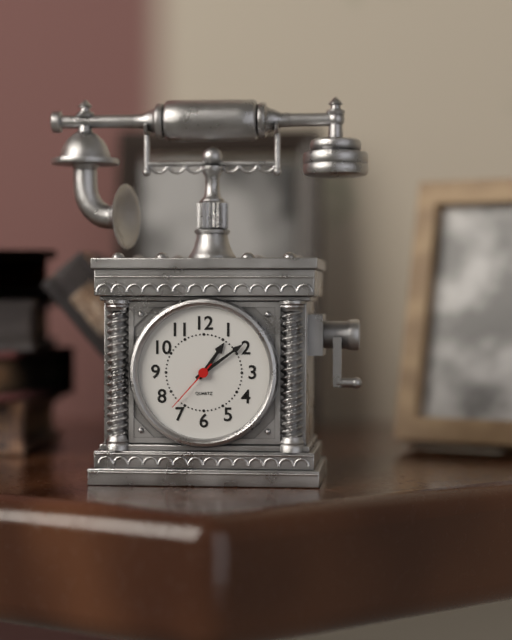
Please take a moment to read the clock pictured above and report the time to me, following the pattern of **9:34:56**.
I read **1:09:37**
